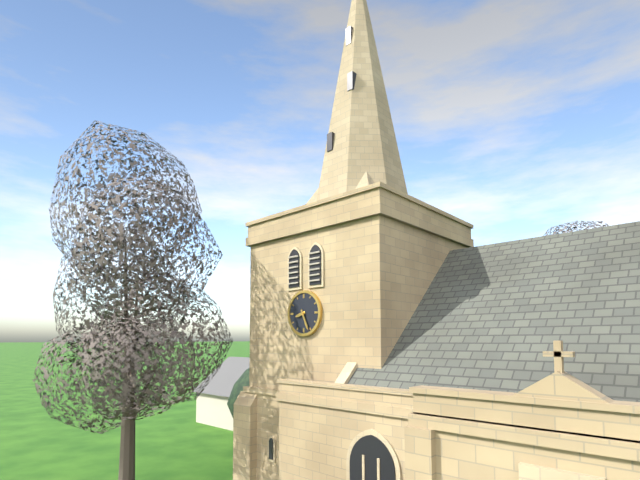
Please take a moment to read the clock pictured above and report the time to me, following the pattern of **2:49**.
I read **8:26**
